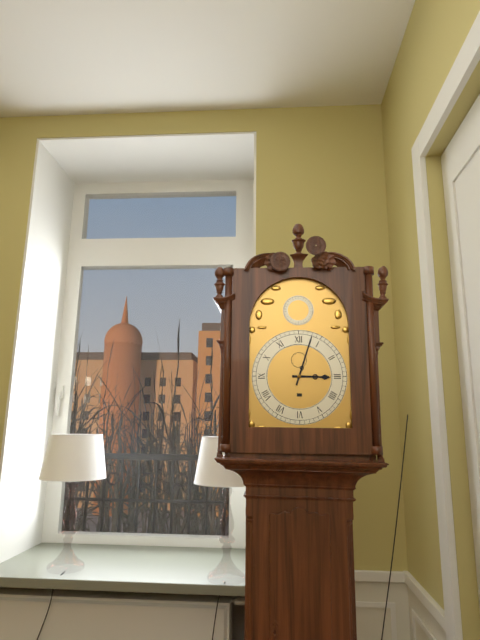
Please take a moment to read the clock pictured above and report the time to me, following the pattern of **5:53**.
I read **3:03**
